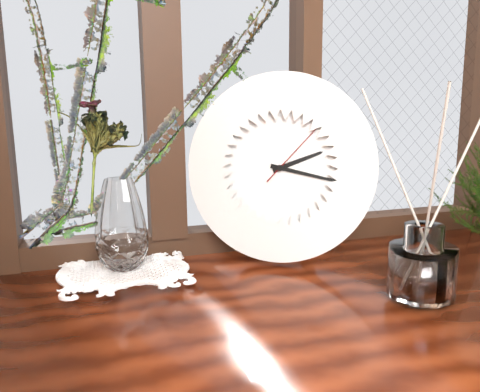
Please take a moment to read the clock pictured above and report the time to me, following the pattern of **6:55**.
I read **2:17**
